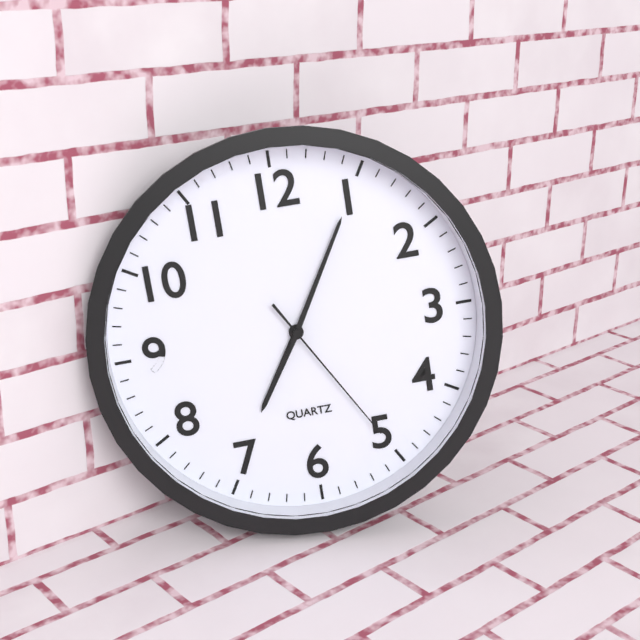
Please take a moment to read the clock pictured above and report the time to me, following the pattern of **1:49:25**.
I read **7:05:25**
